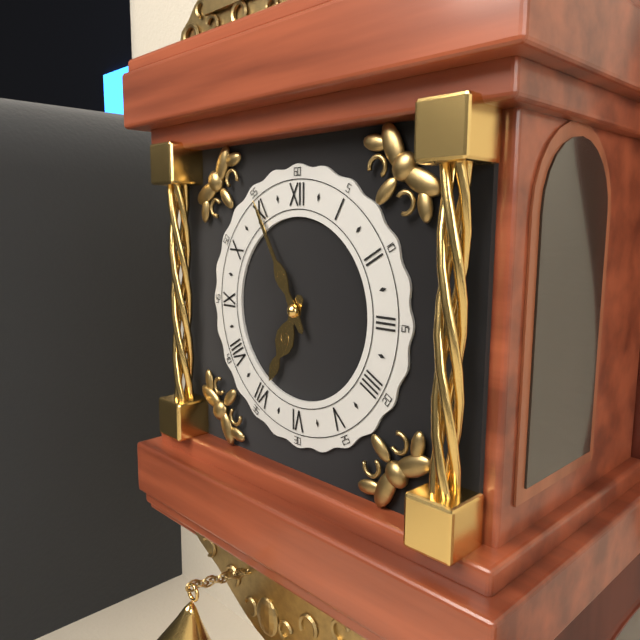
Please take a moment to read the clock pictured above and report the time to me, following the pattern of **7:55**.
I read **6:55**
